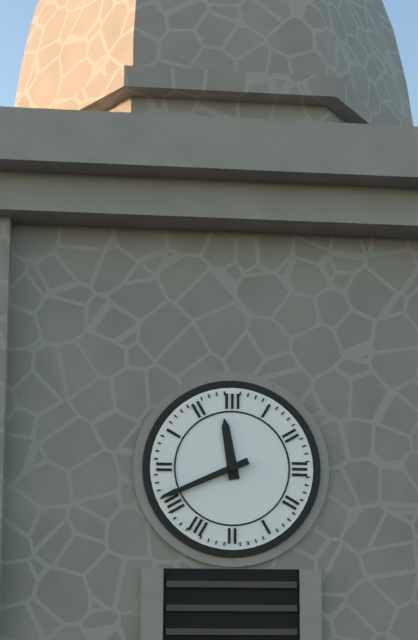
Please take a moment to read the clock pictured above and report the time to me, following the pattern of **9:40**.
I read **11:41**
